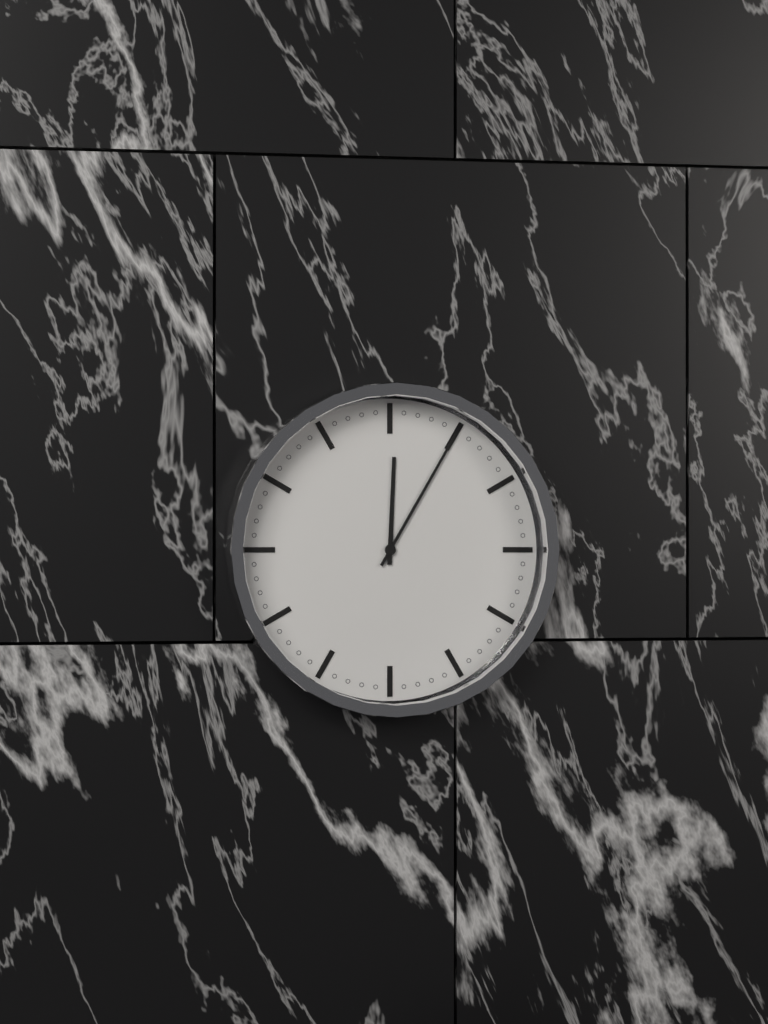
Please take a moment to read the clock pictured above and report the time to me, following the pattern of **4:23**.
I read **12:05**
